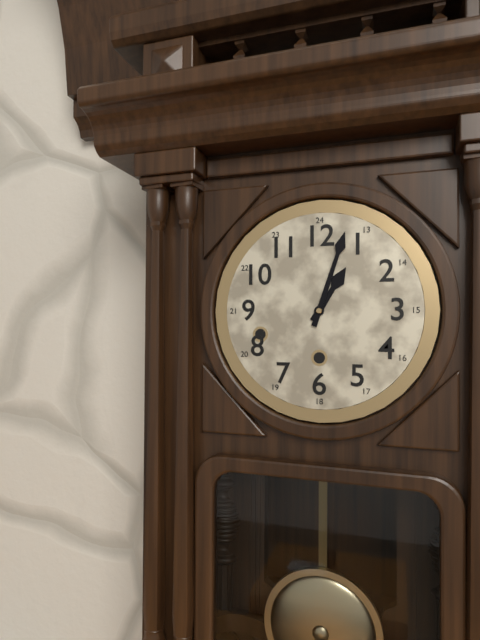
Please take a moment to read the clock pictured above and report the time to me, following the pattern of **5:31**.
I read **1:03**
